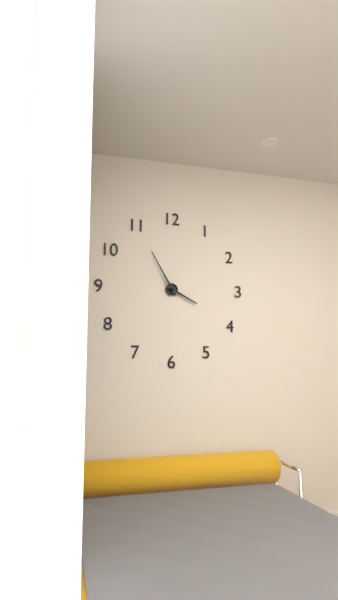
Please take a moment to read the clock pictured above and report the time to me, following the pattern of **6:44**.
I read **3:55**
